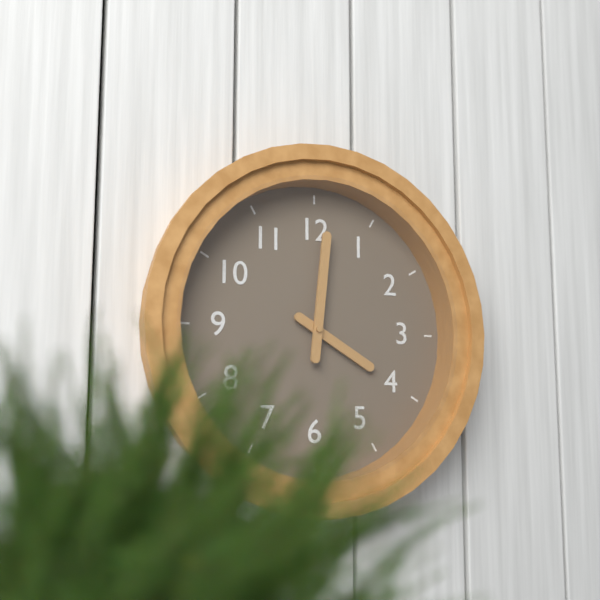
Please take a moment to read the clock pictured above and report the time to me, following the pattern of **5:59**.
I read **4:01**
